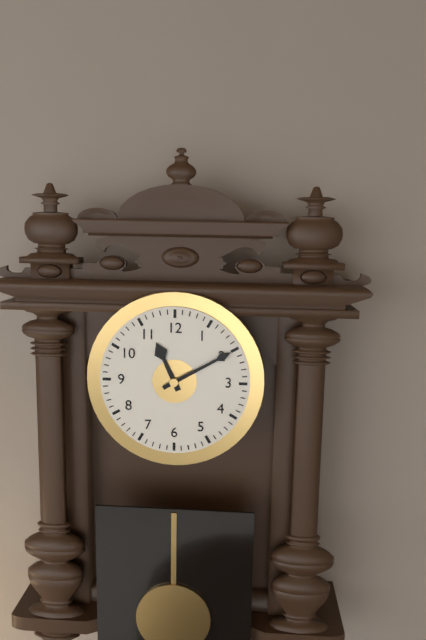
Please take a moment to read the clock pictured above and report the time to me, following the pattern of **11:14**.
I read **11:10**
